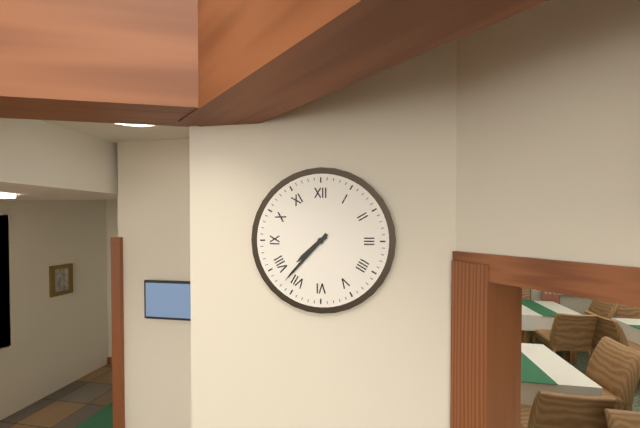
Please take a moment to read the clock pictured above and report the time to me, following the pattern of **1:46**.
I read **7:37**
